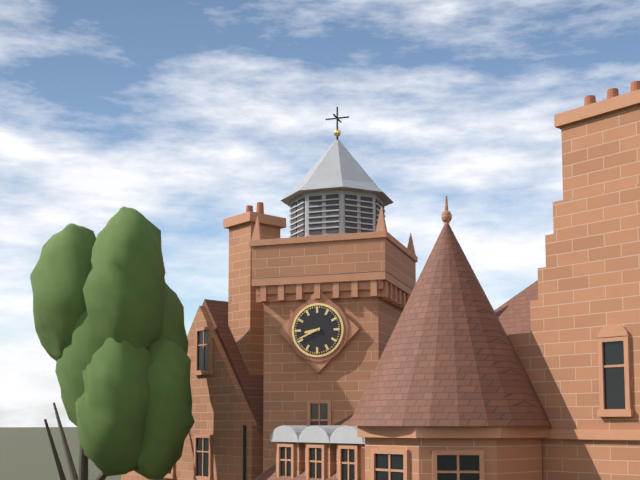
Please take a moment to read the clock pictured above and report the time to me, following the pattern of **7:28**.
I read **8:41**
